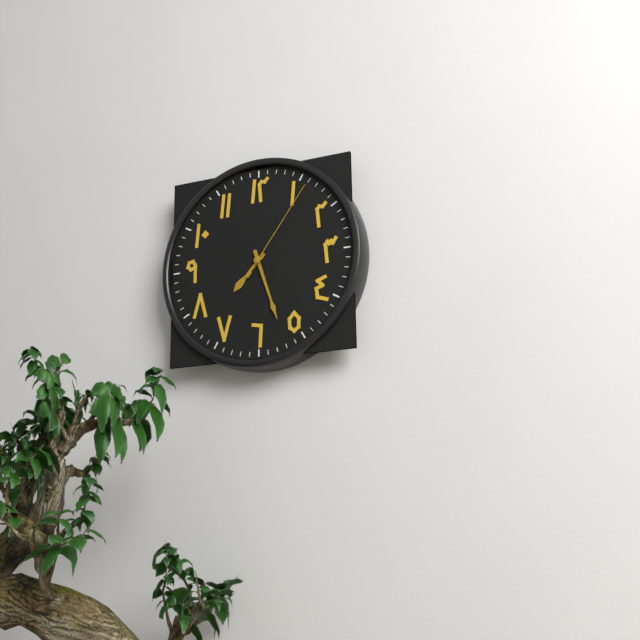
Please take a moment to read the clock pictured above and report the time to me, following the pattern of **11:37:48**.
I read **7:27:06**
